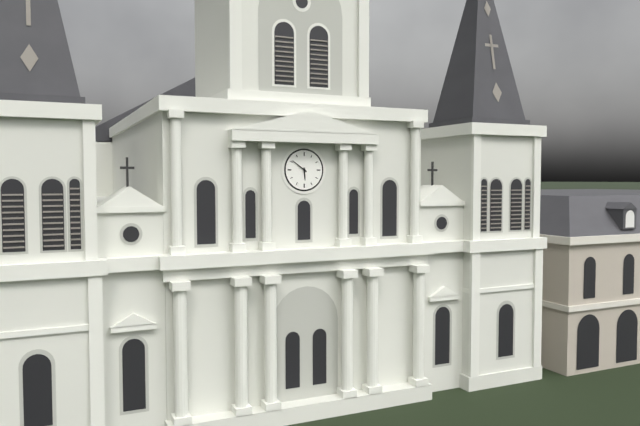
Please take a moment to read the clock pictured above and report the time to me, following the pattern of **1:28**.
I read **5:51**
